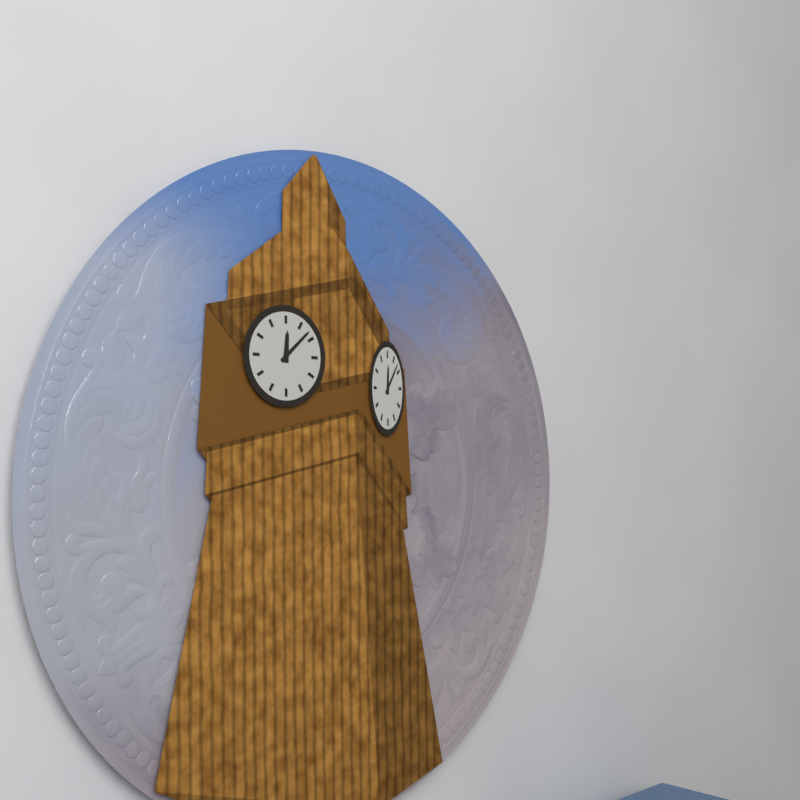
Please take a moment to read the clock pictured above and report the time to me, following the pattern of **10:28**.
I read **12:08**
